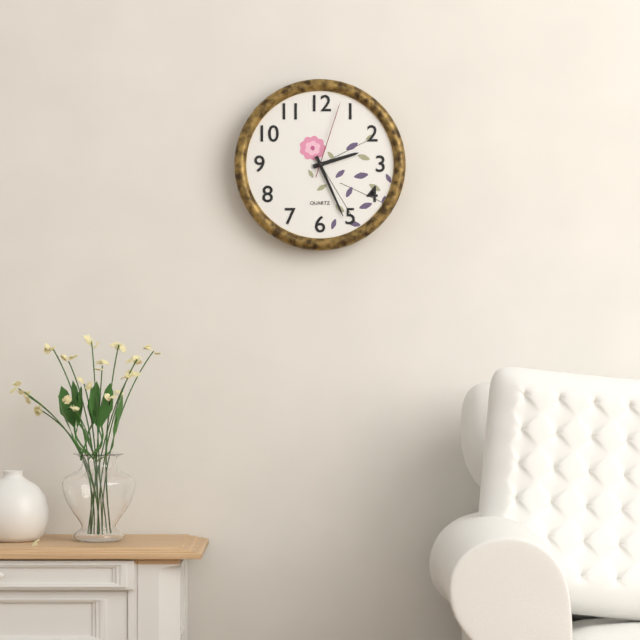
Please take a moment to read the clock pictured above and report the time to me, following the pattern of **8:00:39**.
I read **2:26:03**
